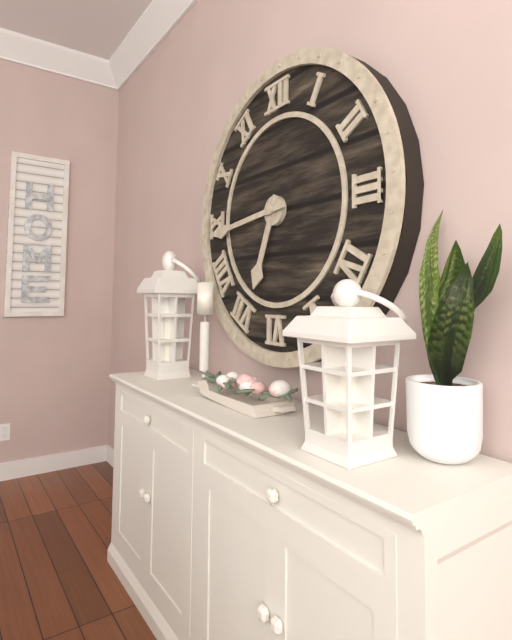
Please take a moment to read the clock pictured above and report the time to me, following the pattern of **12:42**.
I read **6:44**
